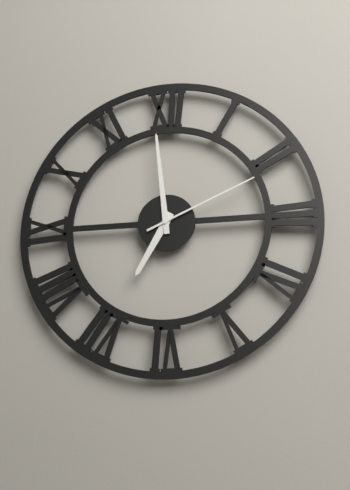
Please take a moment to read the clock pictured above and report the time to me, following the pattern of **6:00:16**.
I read **6:59:11**
